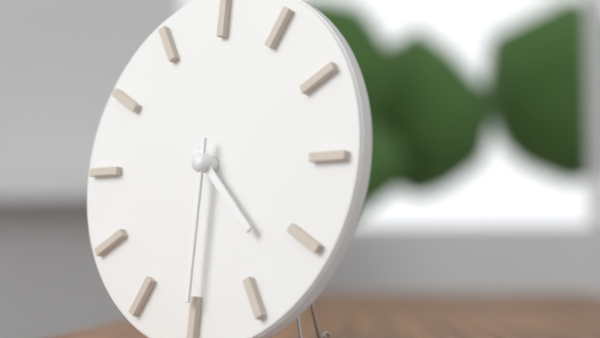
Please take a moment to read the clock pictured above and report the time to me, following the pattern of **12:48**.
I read **4:30**
